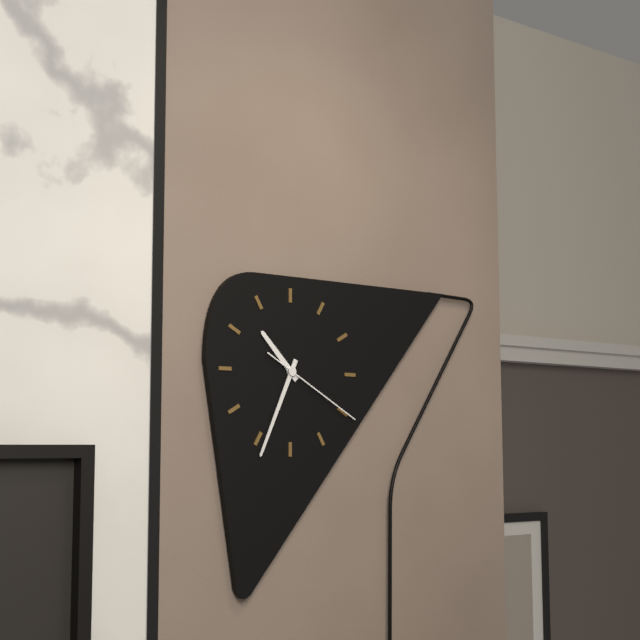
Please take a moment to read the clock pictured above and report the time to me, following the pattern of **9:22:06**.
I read **10:34:20**
